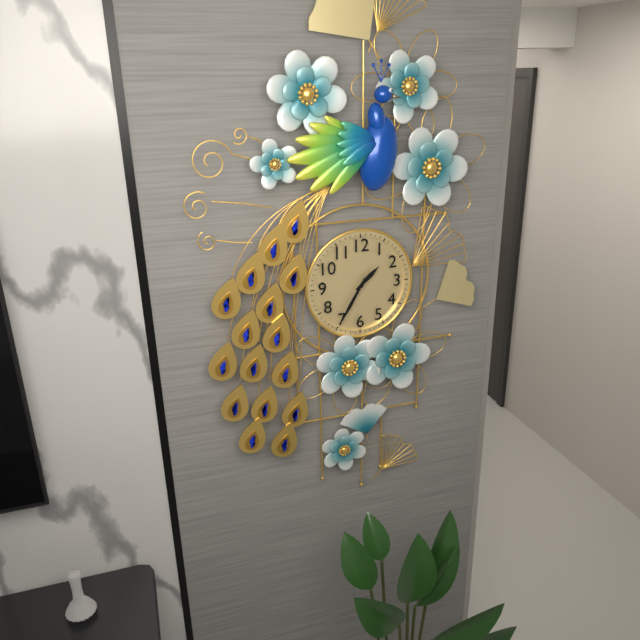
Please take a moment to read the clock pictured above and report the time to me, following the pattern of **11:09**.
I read **1:35**
